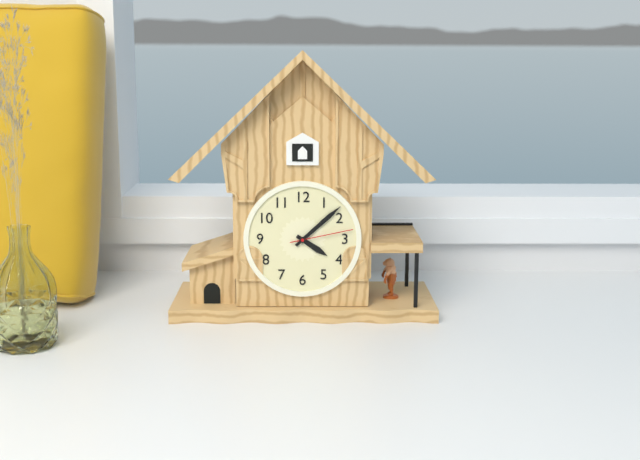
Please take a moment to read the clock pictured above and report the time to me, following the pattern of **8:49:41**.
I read **4:08:13**
